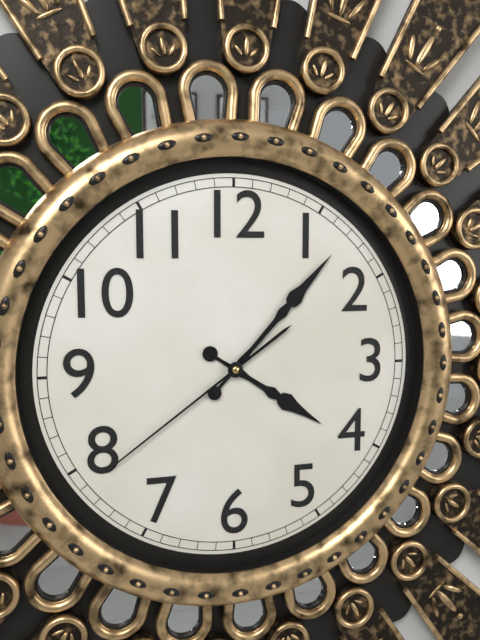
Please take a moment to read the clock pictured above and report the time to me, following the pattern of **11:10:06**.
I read **4:07:39**
